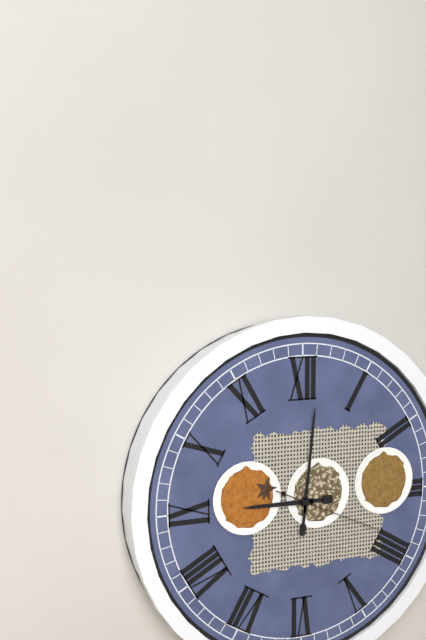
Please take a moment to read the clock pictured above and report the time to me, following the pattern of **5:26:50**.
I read **9:01:19**
